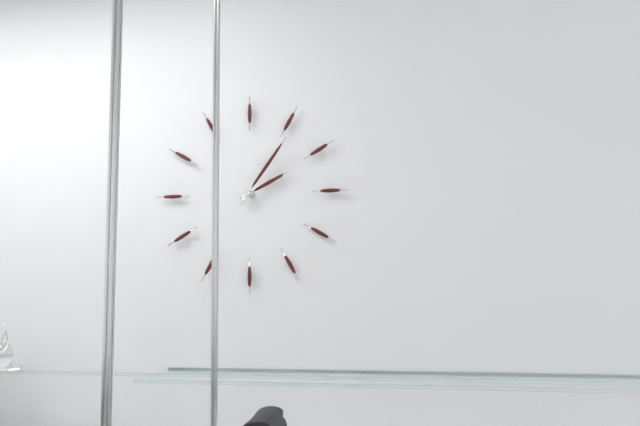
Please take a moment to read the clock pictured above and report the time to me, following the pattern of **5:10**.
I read **2:06**
